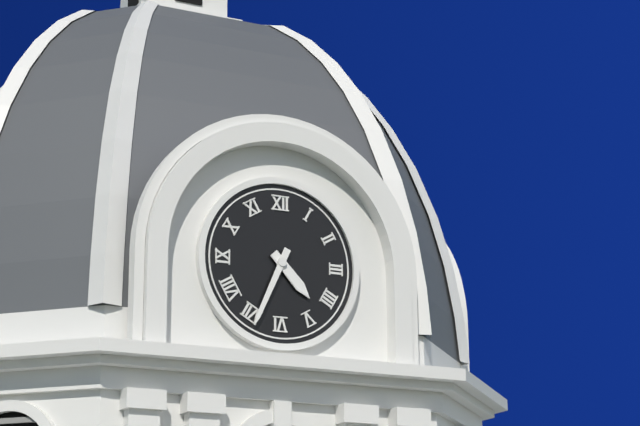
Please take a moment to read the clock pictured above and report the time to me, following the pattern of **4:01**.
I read **4:34**
